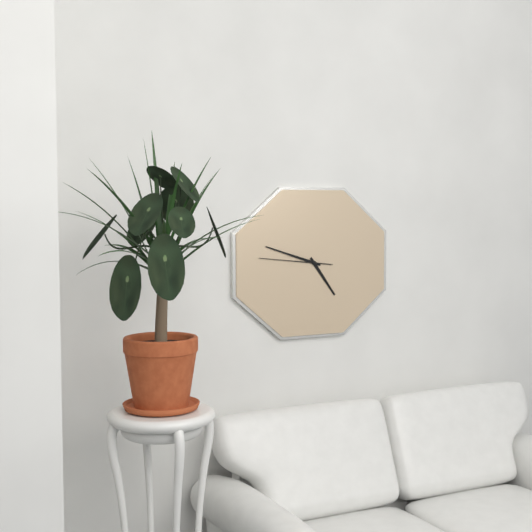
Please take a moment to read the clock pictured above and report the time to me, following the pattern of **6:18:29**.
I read **4:48:46**
